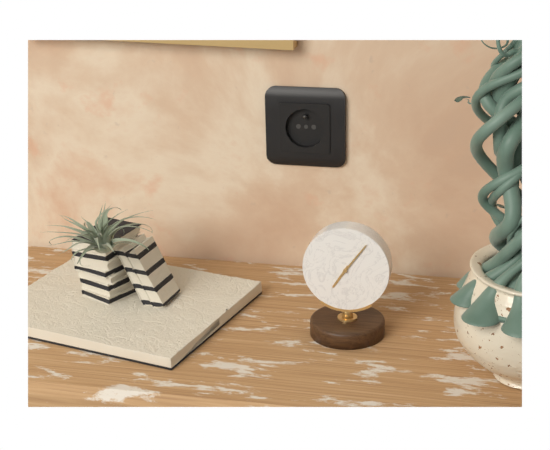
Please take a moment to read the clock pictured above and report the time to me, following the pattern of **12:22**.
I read **7:06**
